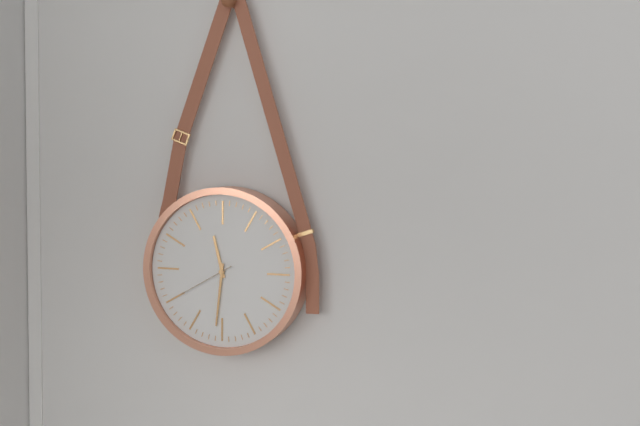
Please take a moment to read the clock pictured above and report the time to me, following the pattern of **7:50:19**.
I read **11:31:40**
